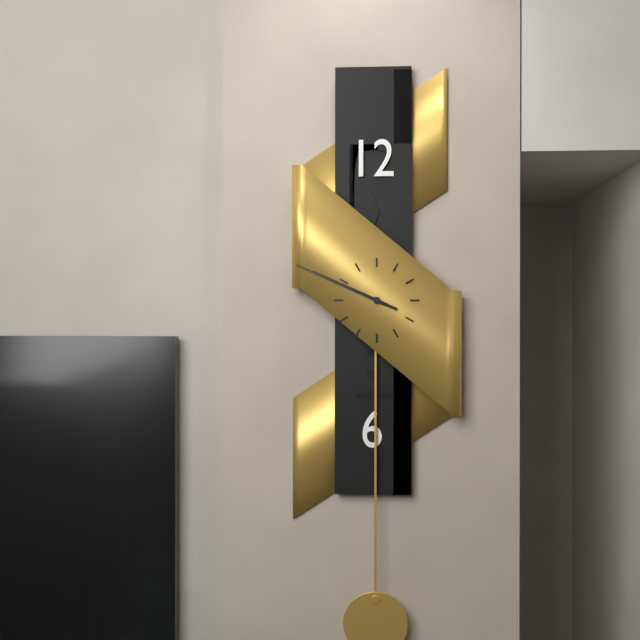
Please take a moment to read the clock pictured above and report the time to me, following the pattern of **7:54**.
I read **9:49**
